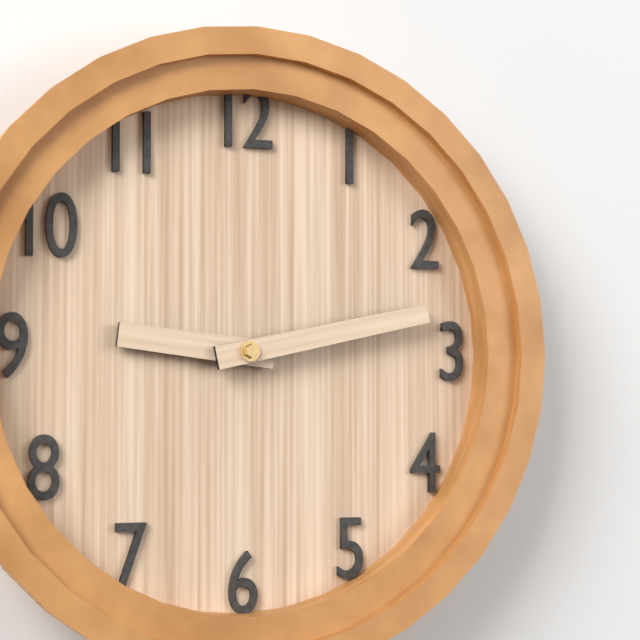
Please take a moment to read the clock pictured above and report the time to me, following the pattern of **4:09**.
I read **9:13**
